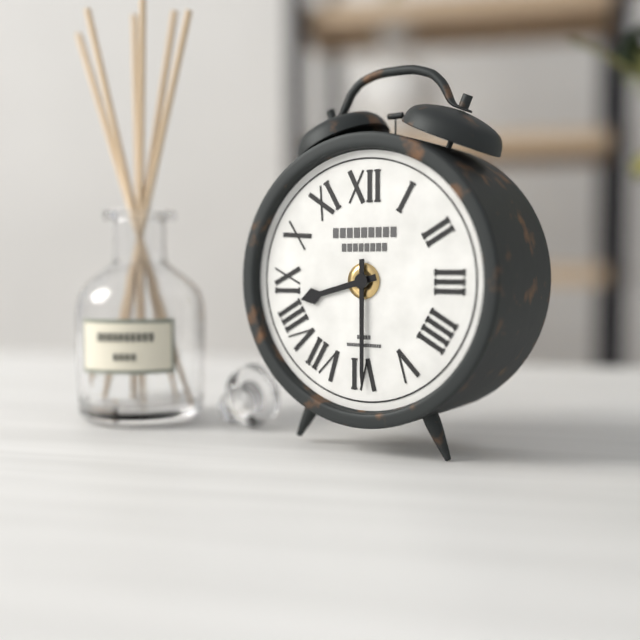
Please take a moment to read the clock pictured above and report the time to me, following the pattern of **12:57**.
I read **8:30**
